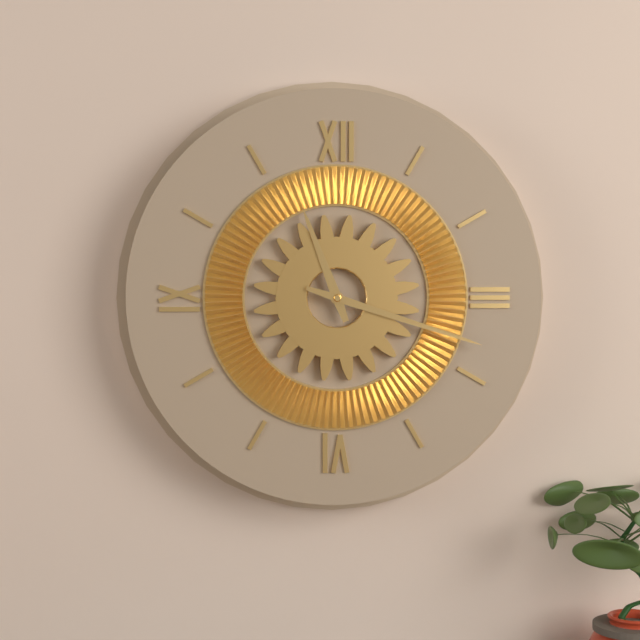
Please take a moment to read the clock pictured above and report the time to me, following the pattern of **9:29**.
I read **11:18**
